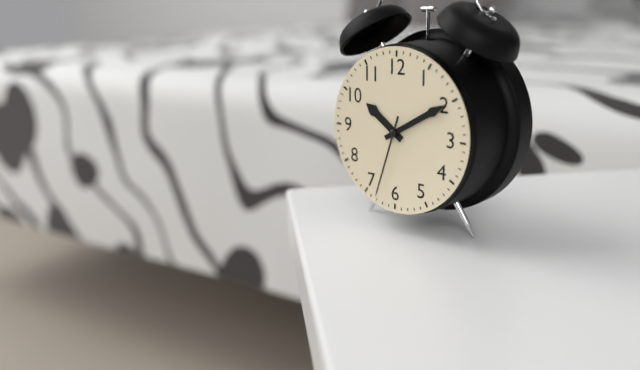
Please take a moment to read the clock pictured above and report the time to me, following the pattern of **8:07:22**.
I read **10:10:33**
